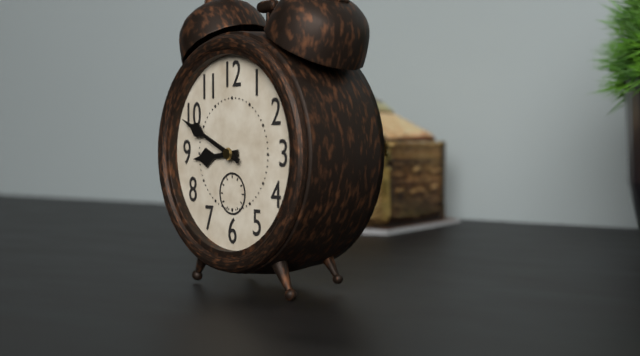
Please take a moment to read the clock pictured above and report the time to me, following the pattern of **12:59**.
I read **8:49**
